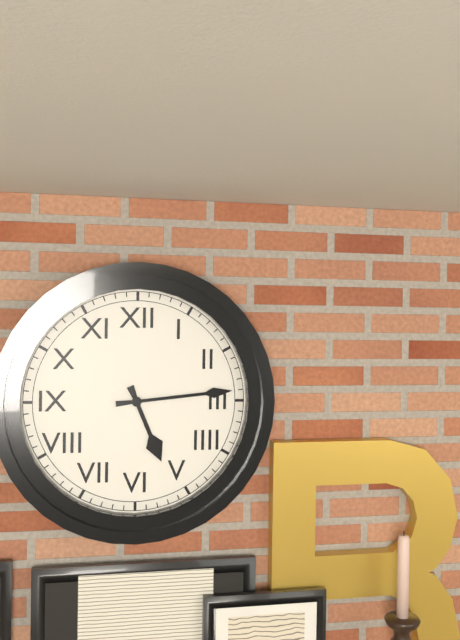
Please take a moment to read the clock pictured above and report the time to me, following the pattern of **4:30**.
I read **5:14**
